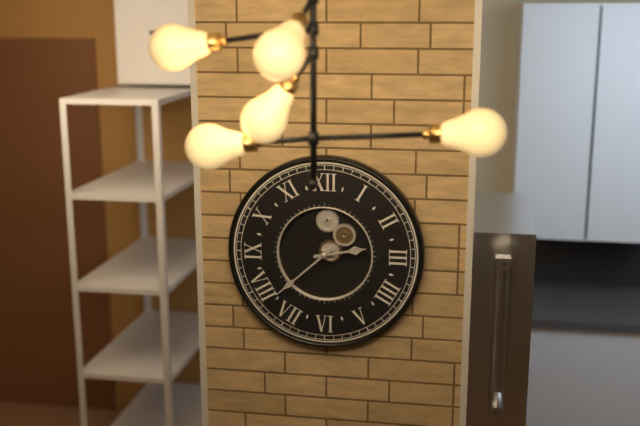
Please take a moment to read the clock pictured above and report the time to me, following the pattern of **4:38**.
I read **2:38**
